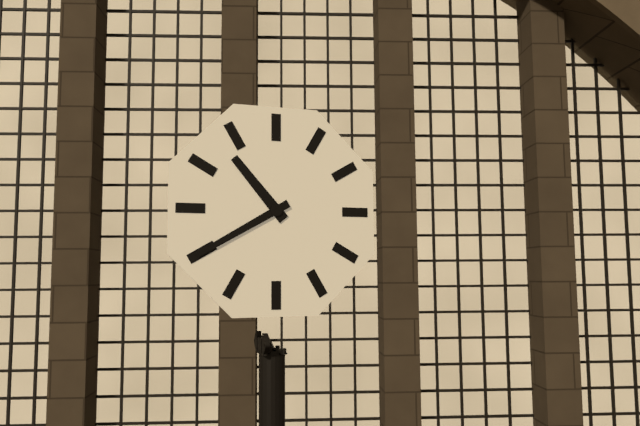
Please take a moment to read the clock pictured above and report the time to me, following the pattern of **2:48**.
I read **10:40**
